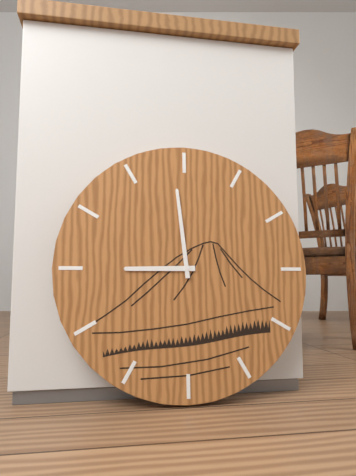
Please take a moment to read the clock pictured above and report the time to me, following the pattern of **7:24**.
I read **8:59**
